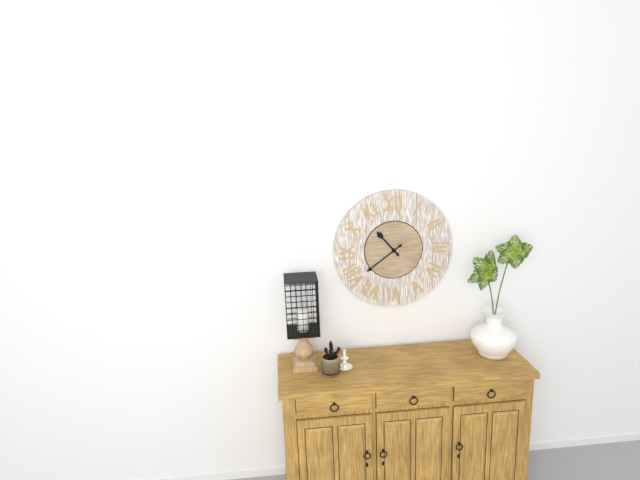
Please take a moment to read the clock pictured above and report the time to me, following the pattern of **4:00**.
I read **10:39**
